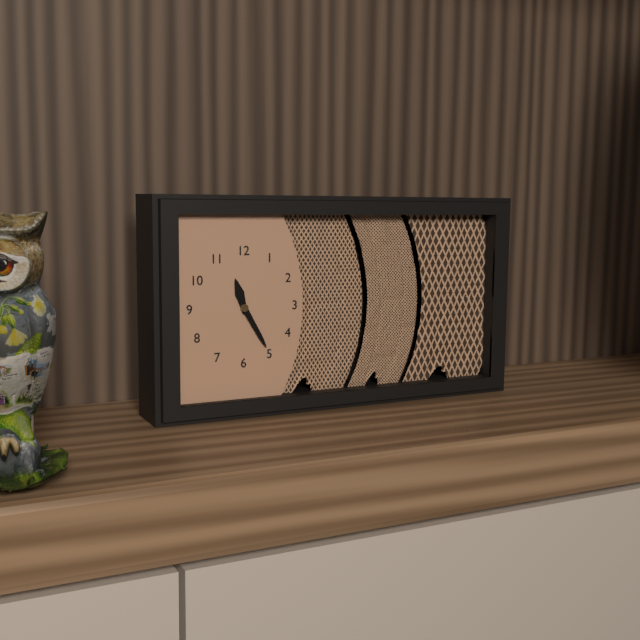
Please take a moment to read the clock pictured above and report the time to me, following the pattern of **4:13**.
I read **11:25**
